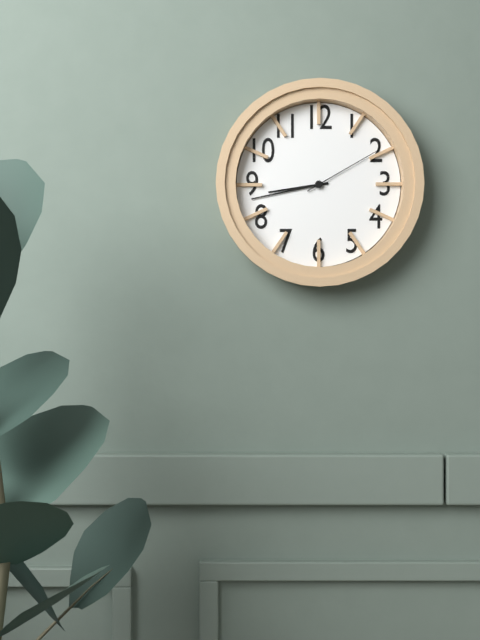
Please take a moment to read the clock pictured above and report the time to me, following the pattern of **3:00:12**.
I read **8:43:10**
